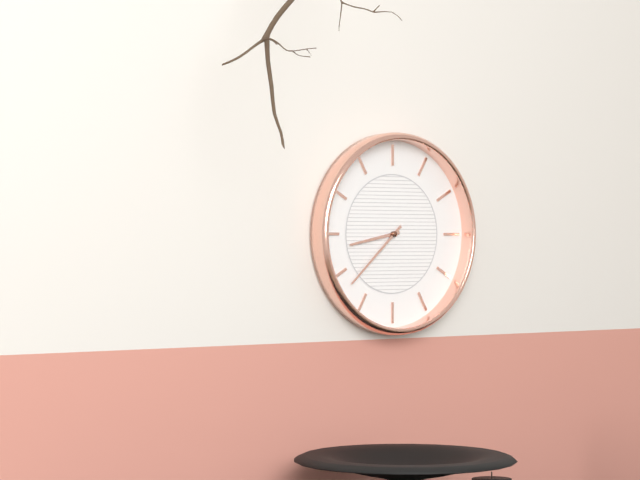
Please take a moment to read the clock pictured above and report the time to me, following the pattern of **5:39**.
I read **8:38**
